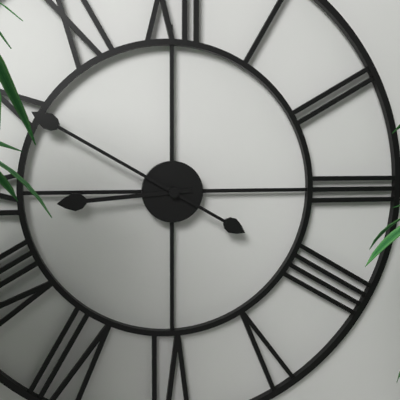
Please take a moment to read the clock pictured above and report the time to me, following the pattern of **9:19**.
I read **8:50**
